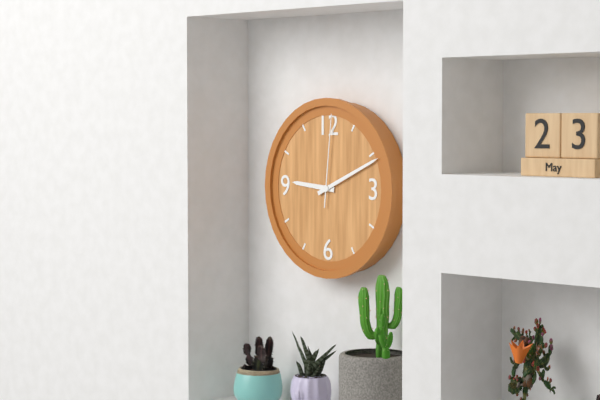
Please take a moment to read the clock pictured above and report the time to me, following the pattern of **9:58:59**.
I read **9:11:01**
